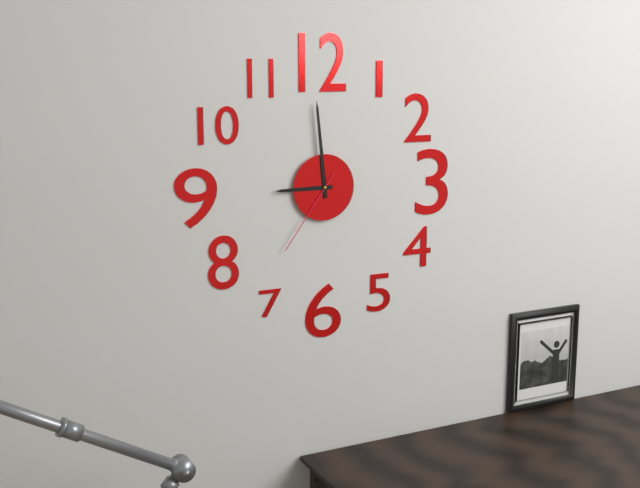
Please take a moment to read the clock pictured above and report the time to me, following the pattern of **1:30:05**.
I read **8:59:36**
